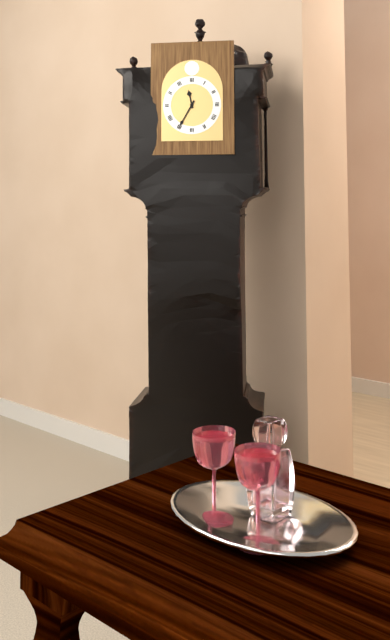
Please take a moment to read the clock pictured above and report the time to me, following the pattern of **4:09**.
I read **11:35**
